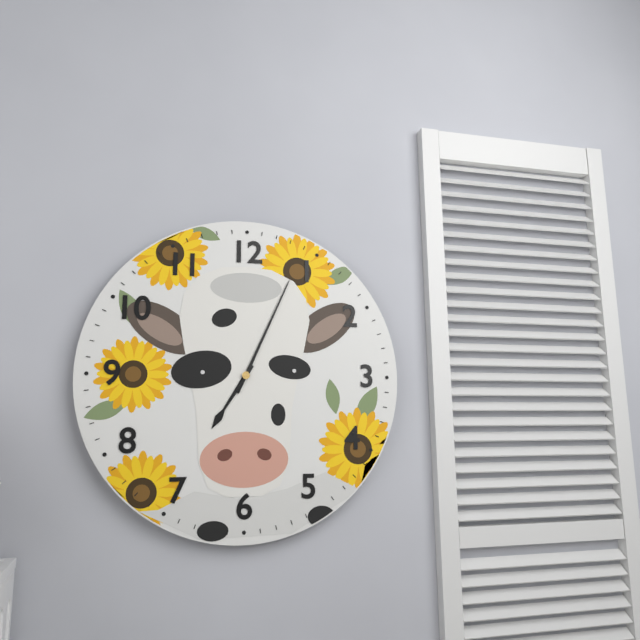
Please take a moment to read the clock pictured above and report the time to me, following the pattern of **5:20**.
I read **7:04**
